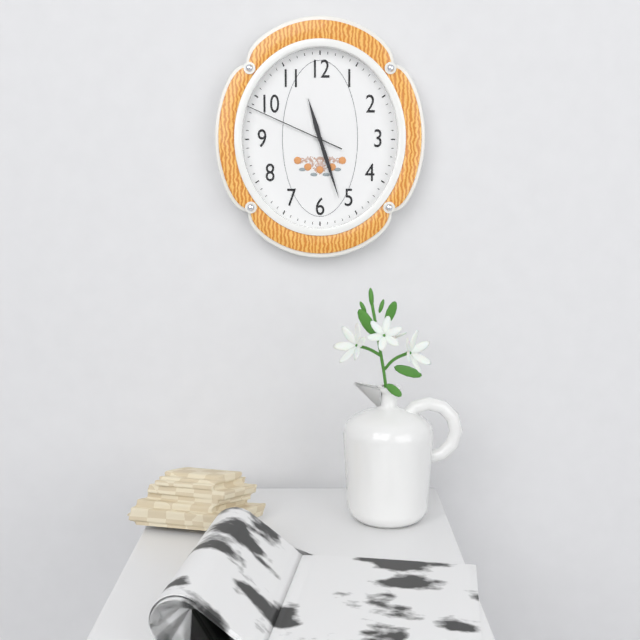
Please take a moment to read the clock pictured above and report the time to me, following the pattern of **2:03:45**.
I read **11:27:49**
